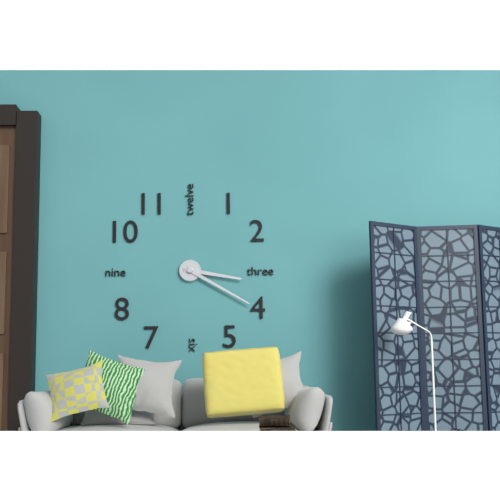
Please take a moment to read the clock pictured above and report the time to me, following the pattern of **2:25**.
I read **3:20**
